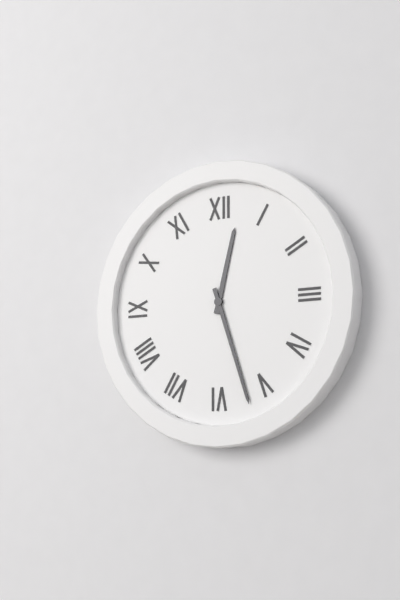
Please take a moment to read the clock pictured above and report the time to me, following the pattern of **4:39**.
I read **12:27**
